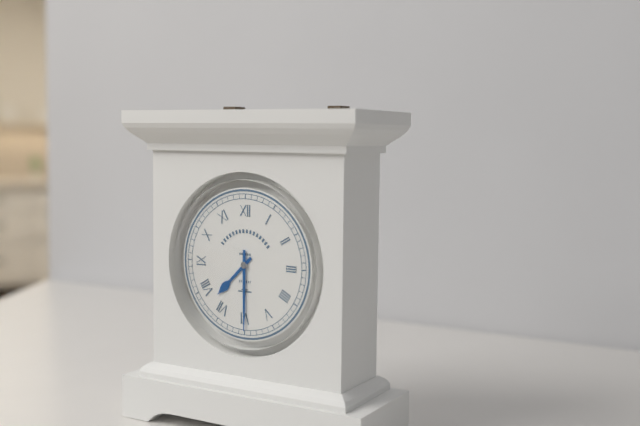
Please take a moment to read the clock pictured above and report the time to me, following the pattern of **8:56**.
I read **7:30**
